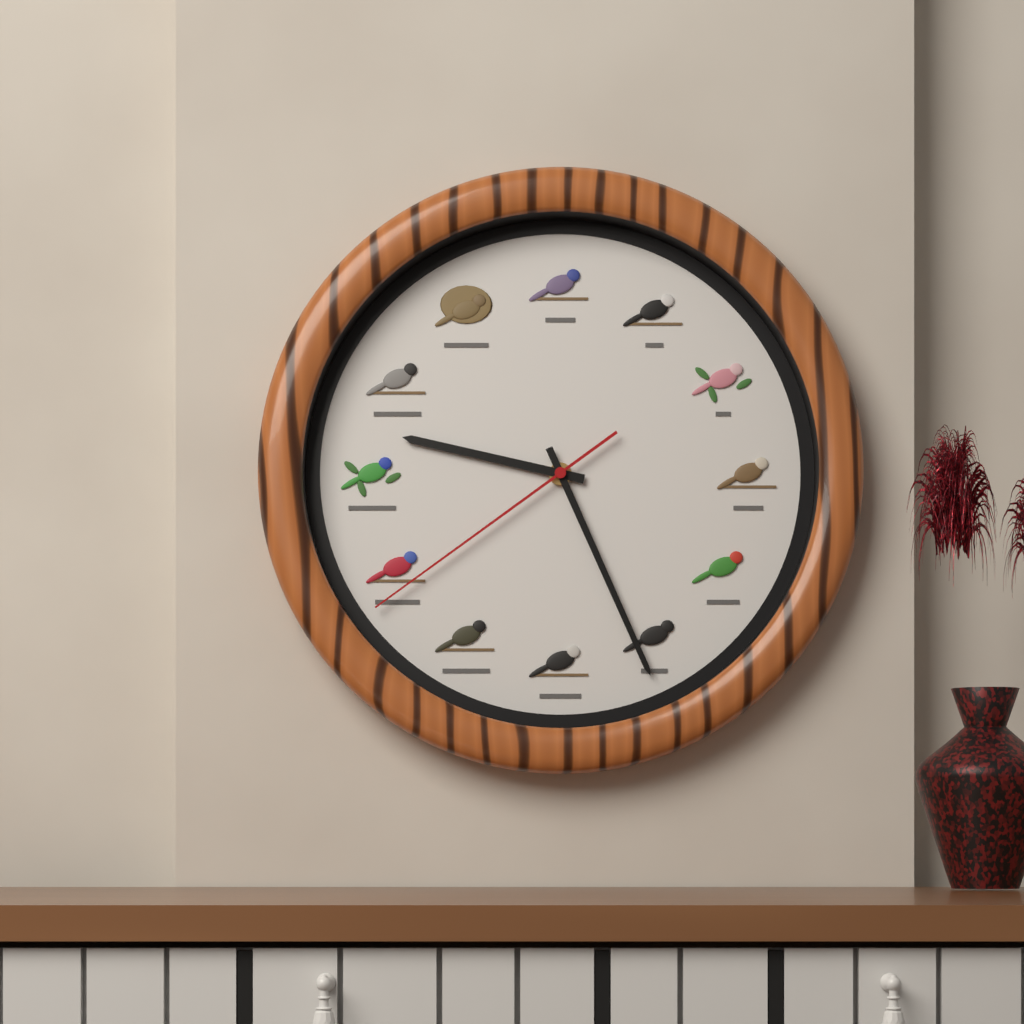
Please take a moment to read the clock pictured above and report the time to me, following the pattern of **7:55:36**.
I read **9:26:39**
